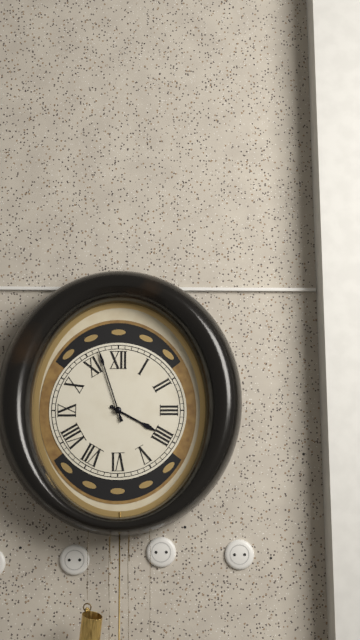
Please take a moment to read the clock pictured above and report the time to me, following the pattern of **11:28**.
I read **3:57**
